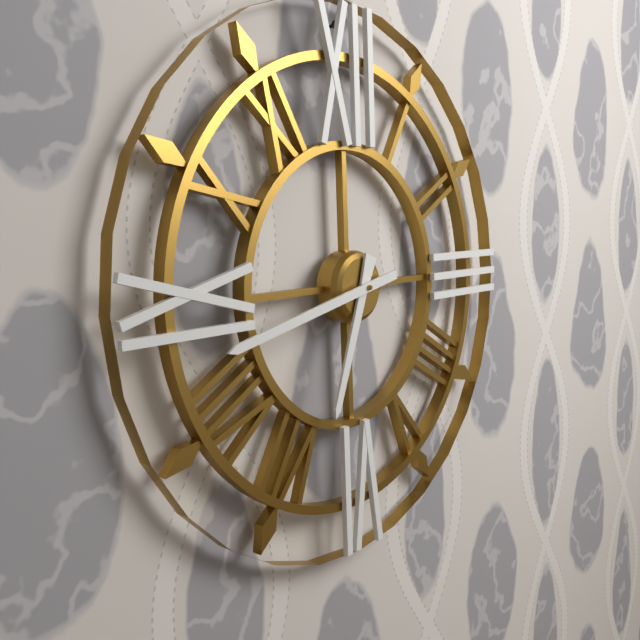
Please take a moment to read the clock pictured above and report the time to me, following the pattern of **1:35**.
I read **6:43**
